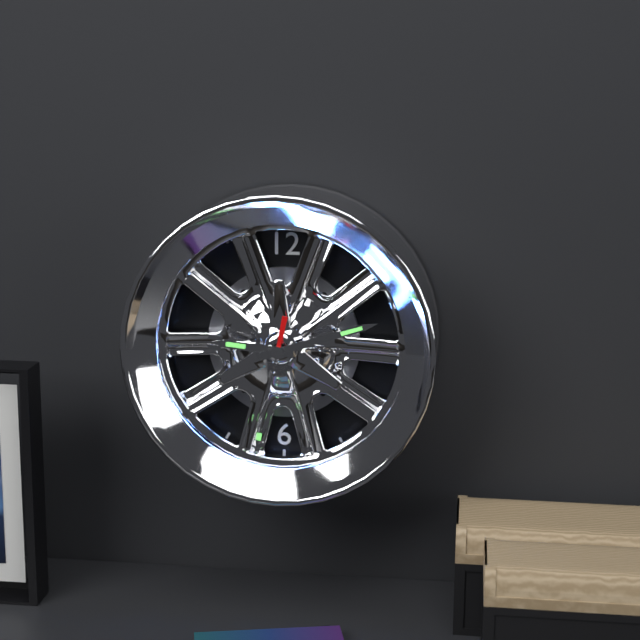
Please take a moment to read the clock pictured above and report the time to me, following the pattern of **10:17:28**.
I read **9:12:32**
